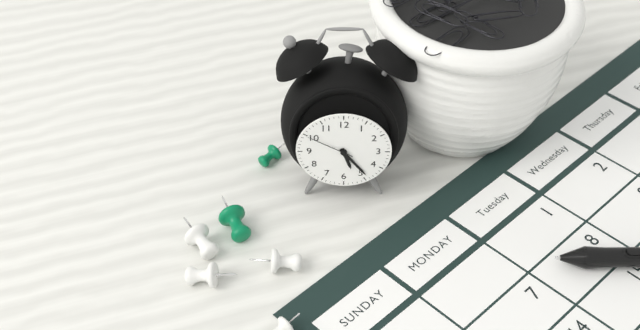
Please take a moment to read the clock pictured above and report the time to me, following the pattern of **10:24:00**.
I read **5:24:50**
